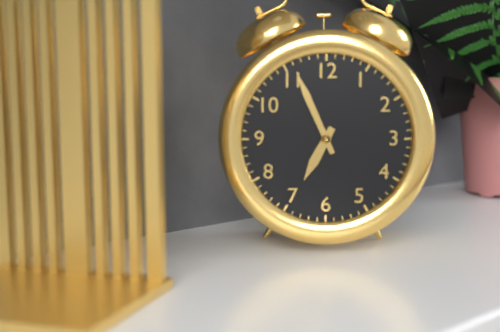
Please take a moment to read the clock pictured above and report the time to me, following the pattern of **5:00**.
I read **6:56**
